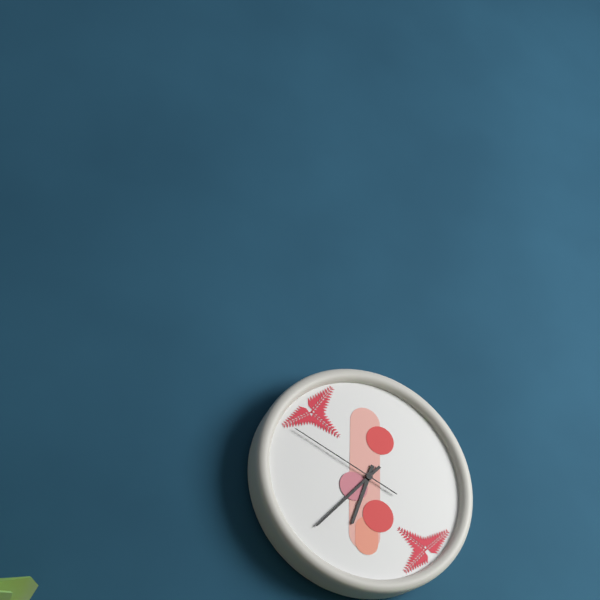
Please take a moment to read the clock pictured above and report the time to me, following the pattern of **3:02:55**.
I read **6:37:49**
